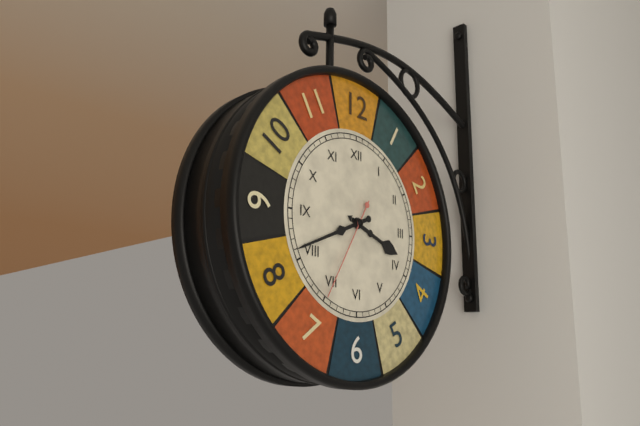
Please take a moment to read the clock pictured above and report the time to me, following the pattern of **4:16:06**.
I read **3:41:35**
